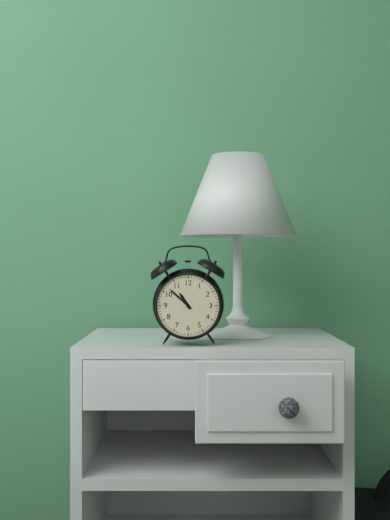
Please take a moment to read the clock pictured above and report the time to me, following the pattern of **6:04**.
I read **10:52**
